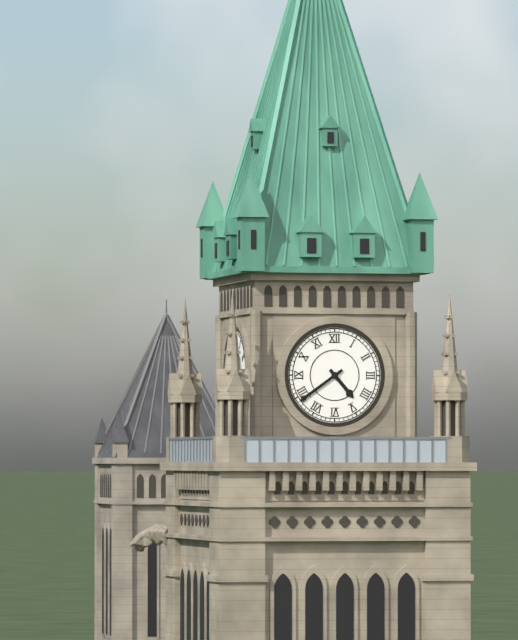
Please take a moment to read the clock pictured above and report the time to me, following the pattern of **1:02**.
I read **4:39**
